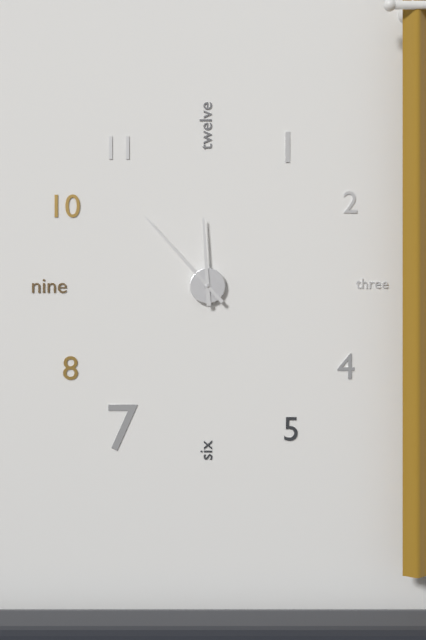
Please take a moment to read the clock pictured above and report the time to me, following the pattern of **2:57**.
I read **11:53**
